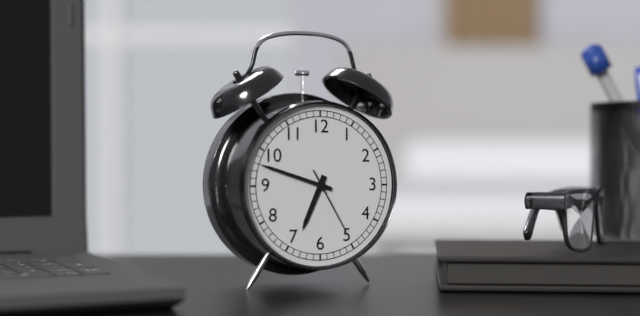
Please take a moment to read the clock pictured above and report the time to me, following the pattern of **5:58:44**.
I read **6:48:25**
